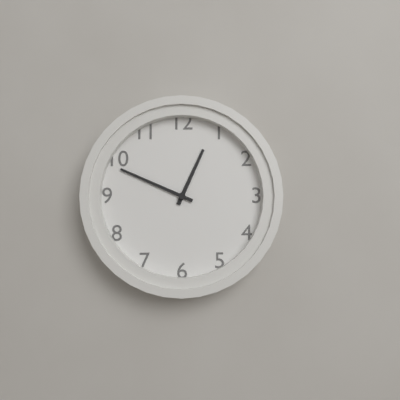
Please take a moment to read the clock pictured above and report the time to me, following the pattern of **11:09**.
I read **12:49**
